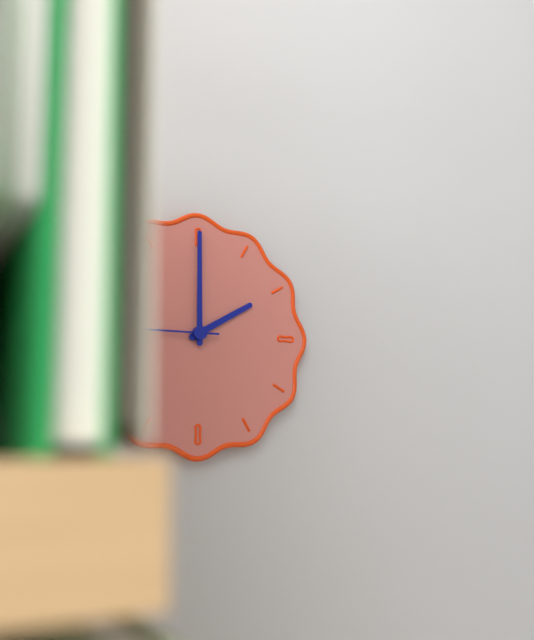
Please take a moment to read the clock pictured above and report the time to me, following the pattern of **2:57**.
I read **2:00**
